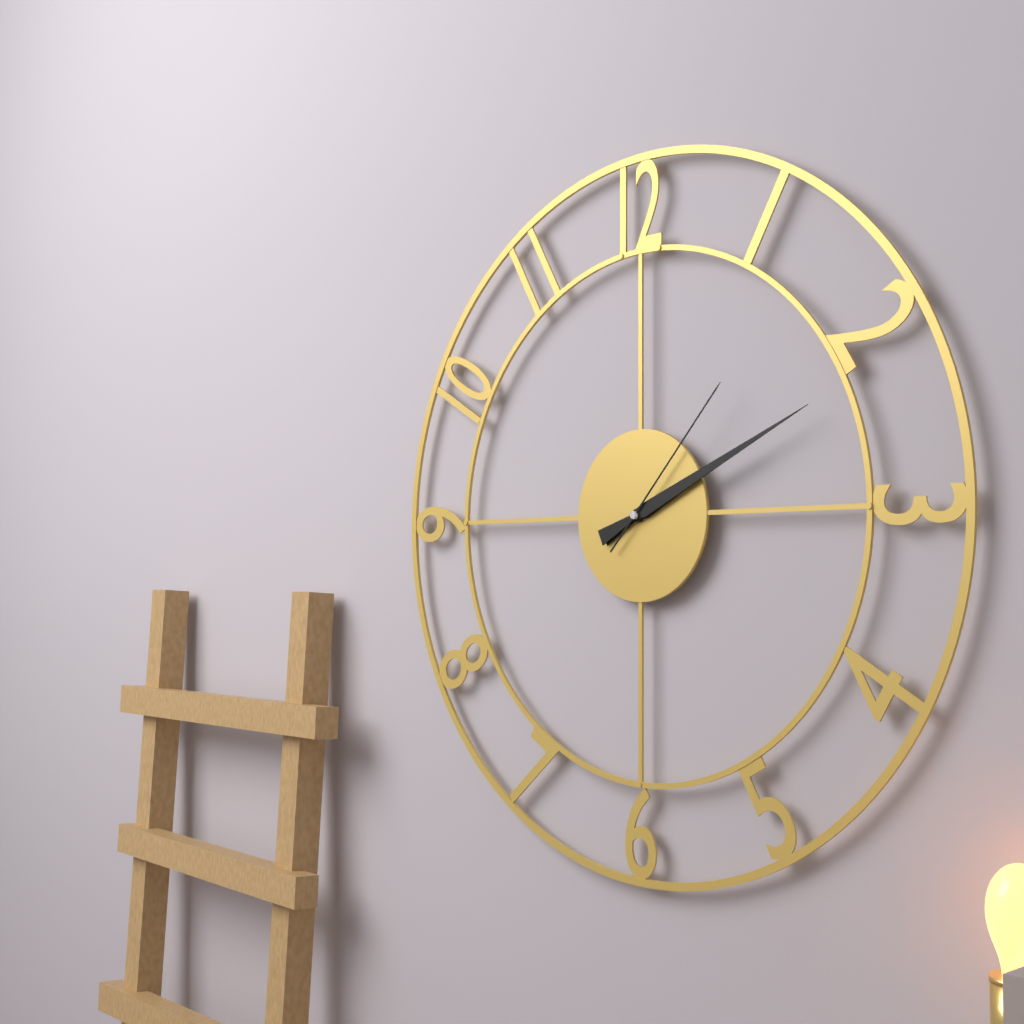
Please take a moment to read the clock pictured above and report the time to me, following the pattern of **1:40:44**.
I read **2:11:07**
